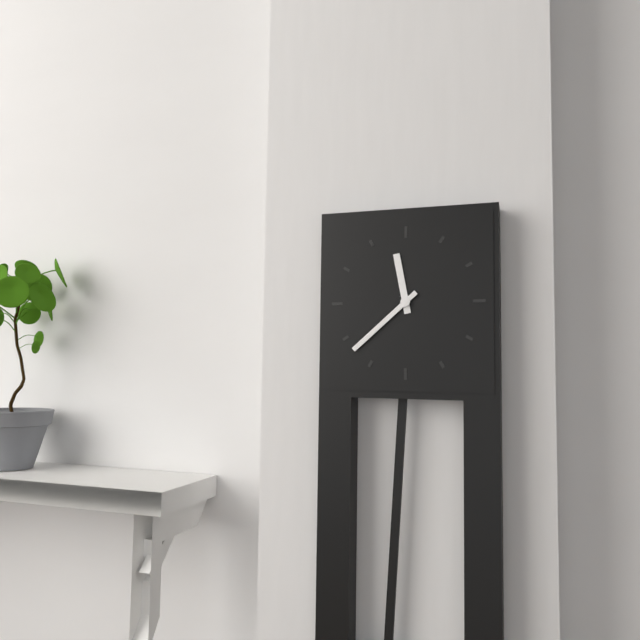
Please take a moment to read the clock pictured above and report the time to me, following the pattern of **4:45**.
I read **11:38**
